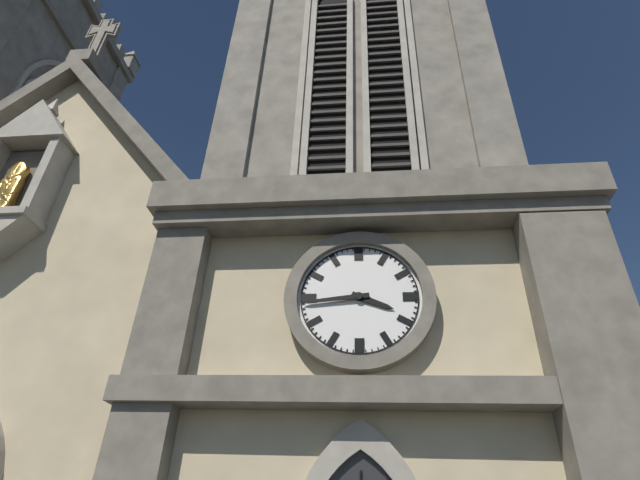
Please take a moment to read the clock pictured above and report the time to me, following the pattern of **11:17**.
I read **3:44**
